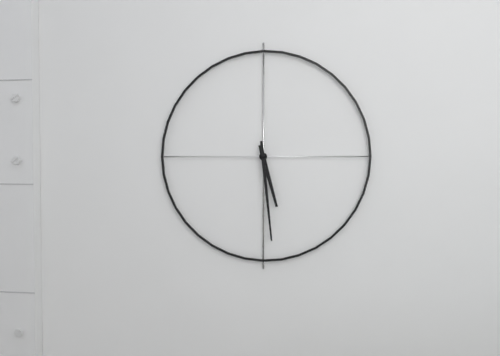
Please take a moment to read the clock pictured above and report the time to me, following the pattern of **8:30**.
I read **5:29**
